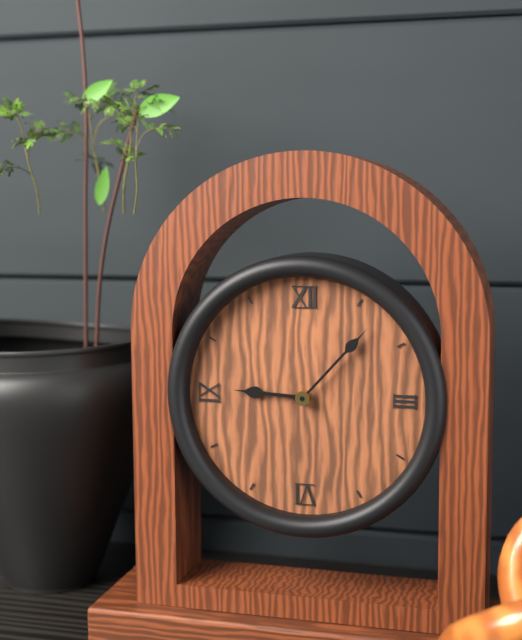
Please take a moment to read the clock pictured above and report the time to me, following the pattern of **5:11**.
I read **9:07**
